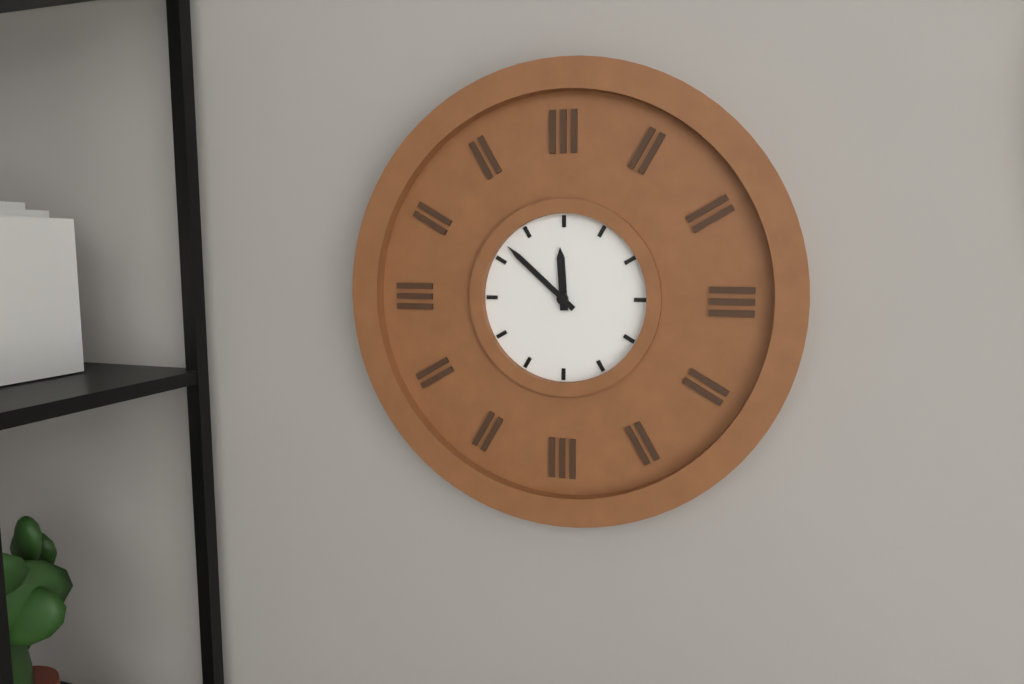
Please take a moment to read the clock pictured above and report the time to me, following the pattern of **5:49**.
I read **11:52**
